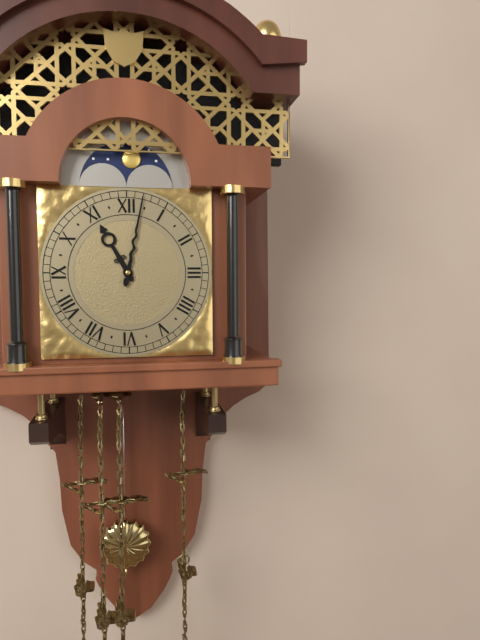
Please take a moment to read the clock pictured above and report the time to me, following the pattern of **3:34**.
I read **11:02**
